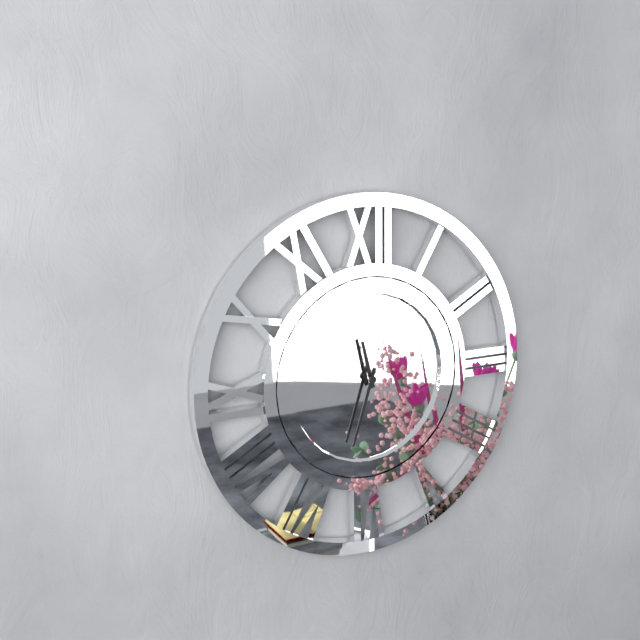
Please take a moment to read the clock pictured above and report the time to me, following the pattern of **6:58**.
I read **11:33**
